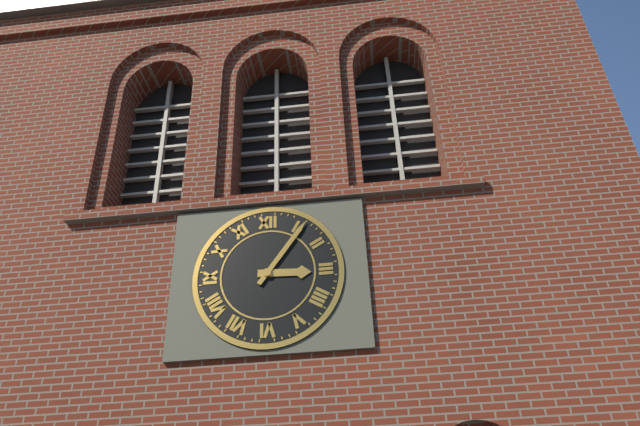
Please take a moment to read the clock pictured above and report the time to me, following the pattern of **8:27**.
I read **3:06**
